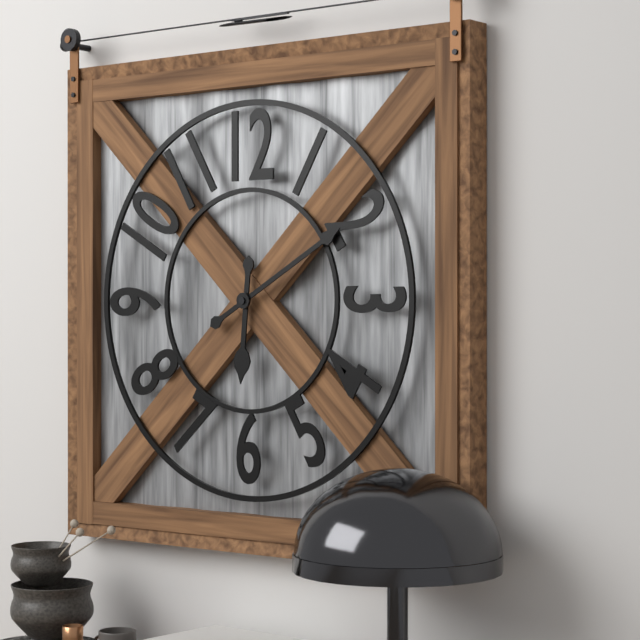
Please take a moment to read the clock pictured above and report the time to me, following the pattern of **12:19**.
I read **6:10**
